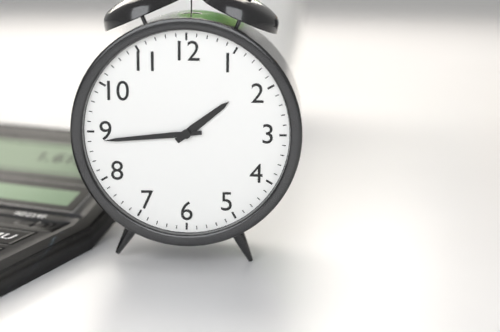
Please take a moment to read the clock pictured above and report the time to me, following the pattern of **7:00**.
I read **1:44**
